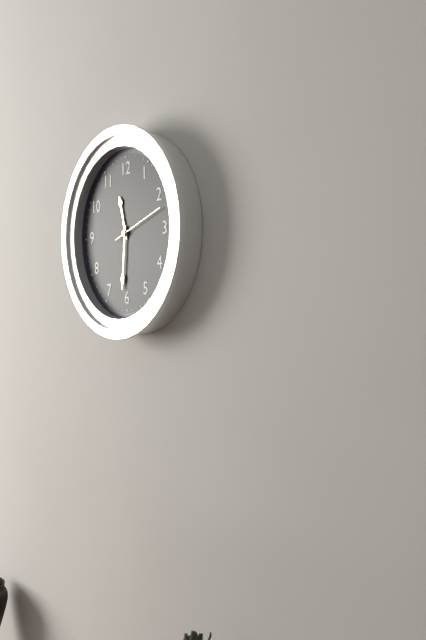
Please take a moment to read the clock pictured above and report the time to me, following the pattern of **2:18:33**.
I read **11:31:12**
